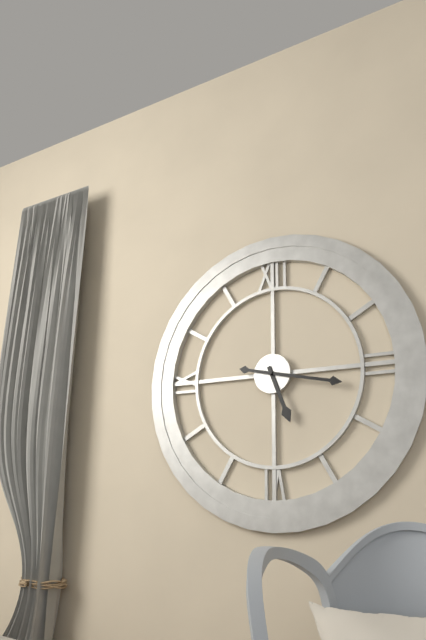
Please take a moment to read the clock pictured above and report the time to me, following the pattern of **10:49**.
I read **5:17**
